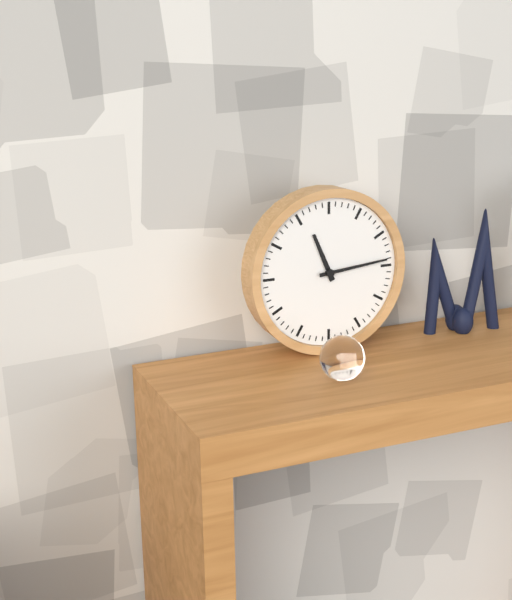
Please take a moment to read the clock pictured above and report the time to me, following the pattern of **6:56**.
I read **11:14**
